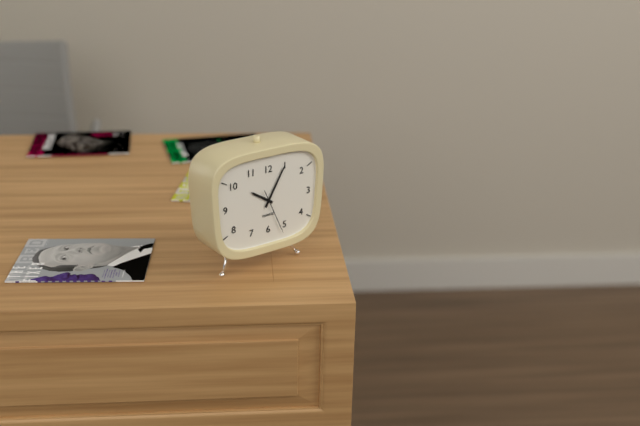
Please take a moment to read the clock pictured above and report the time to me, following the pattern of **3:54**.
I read **10:05**
